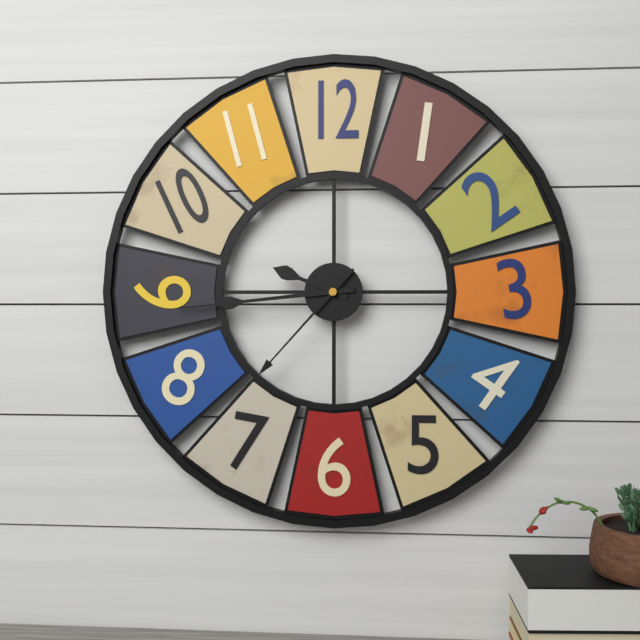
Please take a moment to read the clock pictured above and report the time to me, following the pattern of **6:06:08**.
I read **9:44:37**
